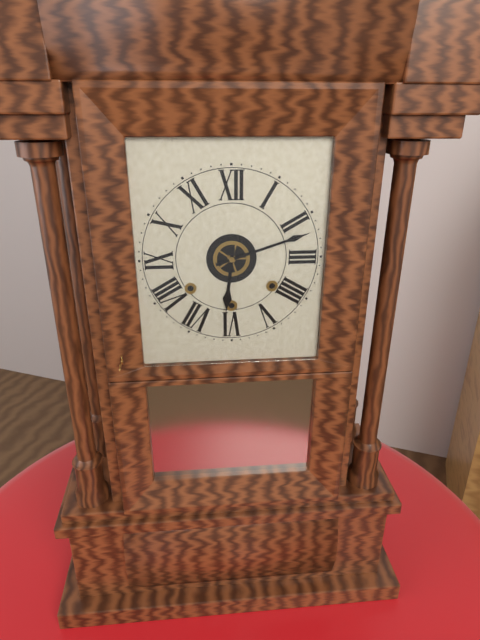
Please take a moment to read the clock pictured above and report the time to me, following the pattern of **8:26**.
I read **6:12**
